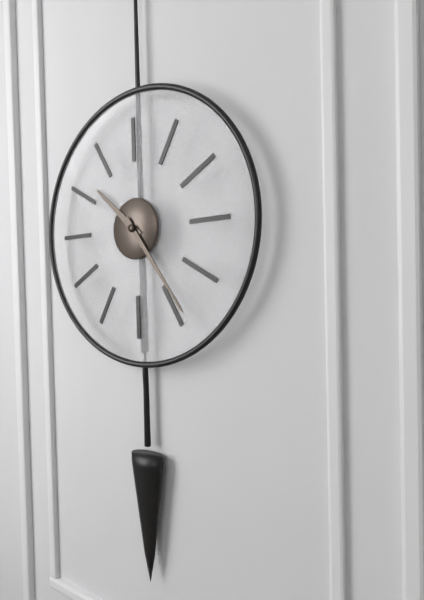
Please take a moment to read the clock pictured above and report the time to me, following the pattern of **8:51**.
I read **10:24**
